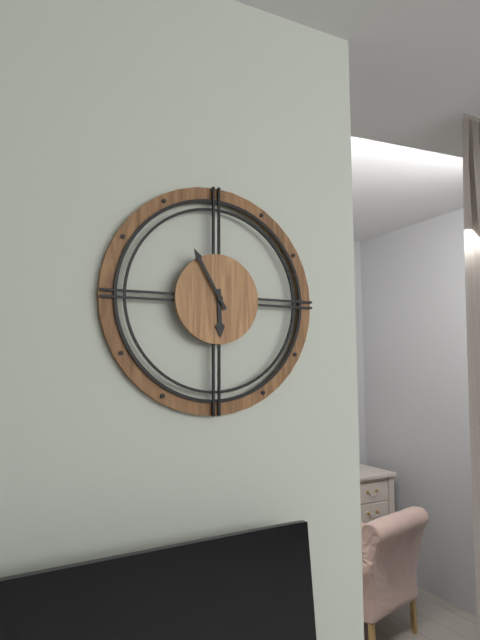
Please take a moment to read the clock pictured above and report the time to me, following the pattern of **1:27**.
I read **5:55**
